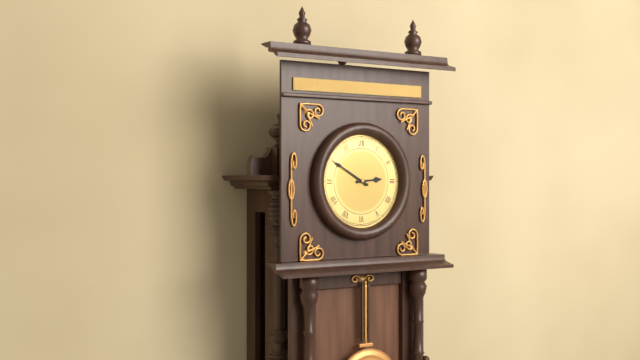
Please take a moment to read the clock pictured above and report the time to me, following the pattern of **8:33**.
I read **2:50**
